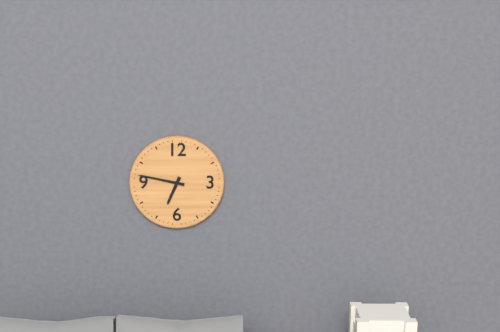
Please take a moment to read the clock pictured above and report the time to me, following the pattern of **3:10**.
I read **6:47**
